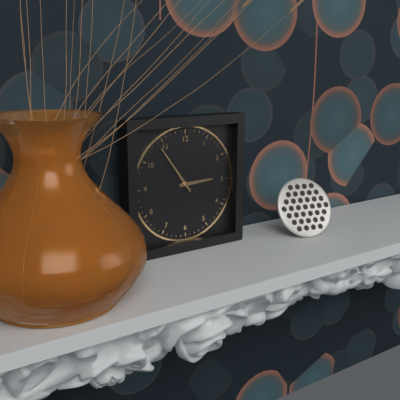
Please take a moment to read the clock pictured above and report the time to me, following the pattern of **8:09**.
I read **2:54**
